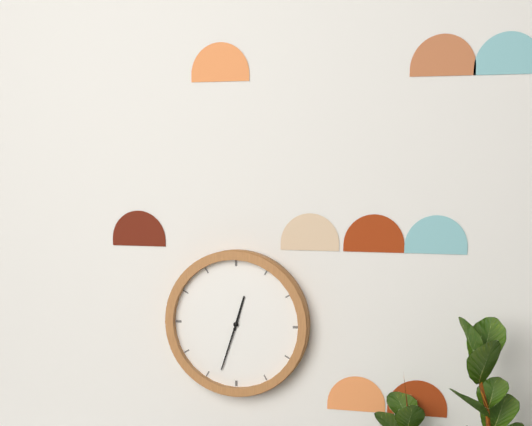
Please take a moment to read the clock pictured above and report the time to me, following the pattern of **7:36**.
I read **12:33**
